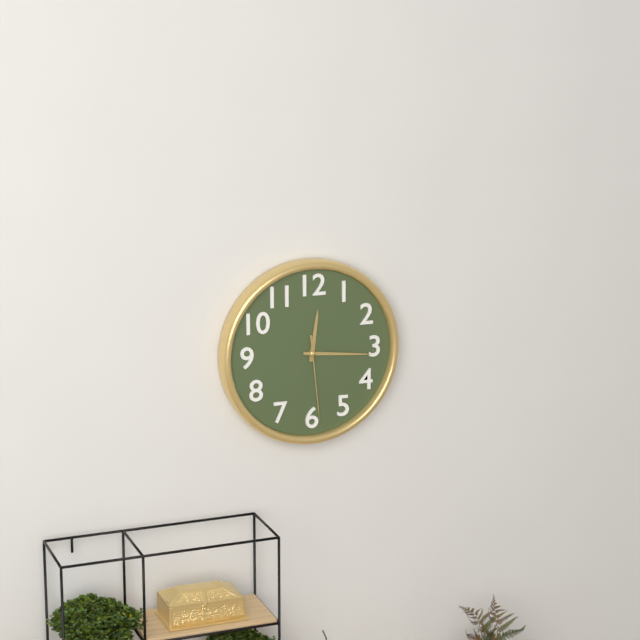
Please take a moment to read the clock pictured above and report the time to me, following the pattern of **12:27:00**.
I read **12:16:29**
